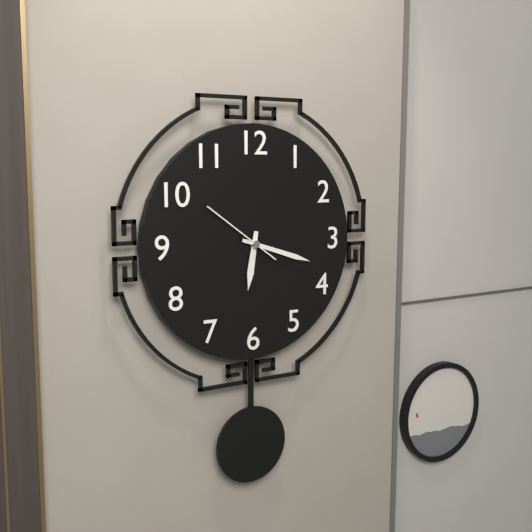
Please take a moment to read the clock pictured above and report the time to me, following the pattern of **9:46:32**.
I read **6:18:51**
